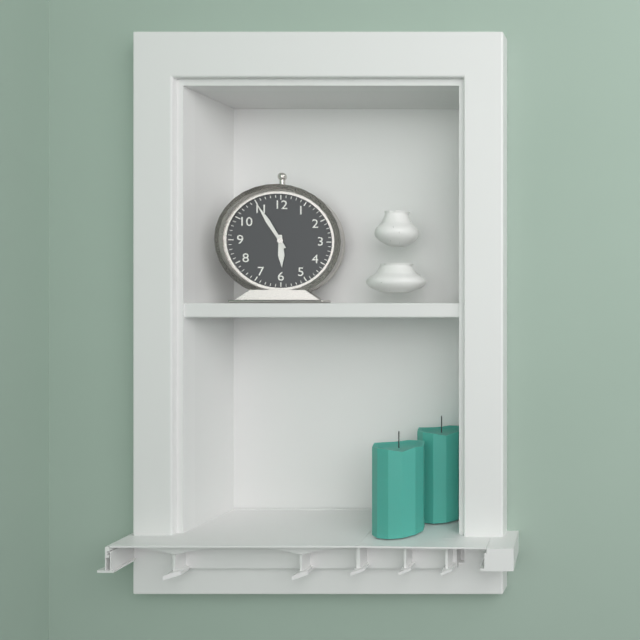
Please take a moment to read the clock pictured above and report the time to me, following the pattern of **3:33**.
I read **5:55**
